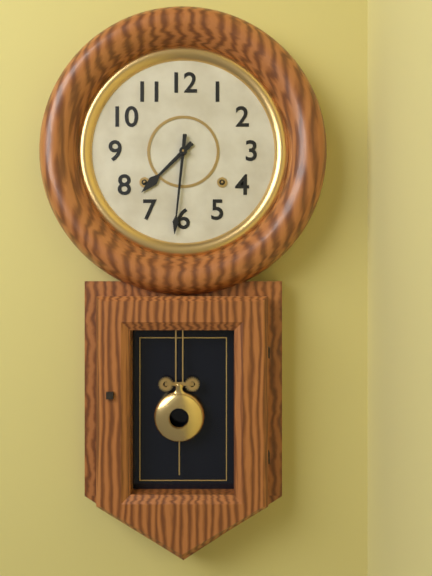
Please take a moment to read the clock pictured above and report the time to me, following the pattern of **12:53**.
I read **7:31**
